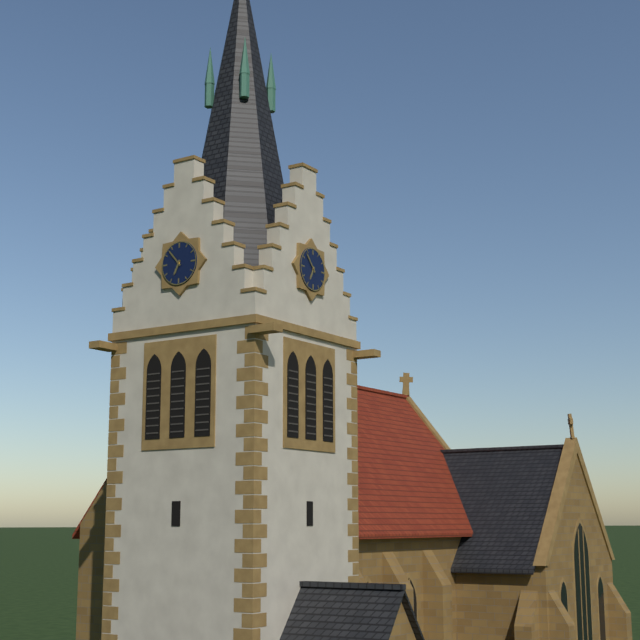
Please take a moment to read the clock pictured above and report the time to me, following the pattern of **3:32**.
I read **6:53**
